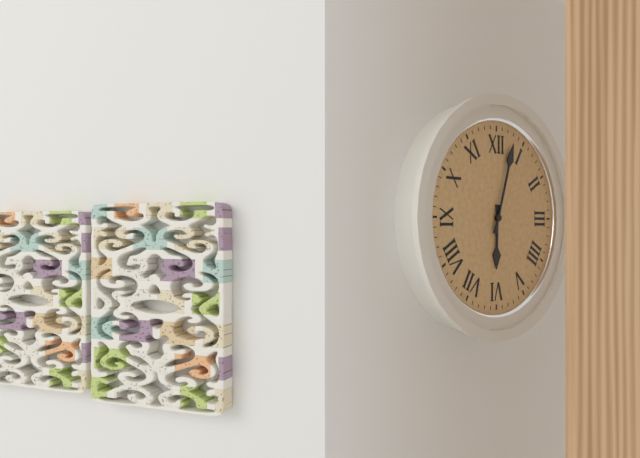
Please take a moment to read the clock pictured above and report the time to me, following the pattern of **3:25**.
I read **6:03**
